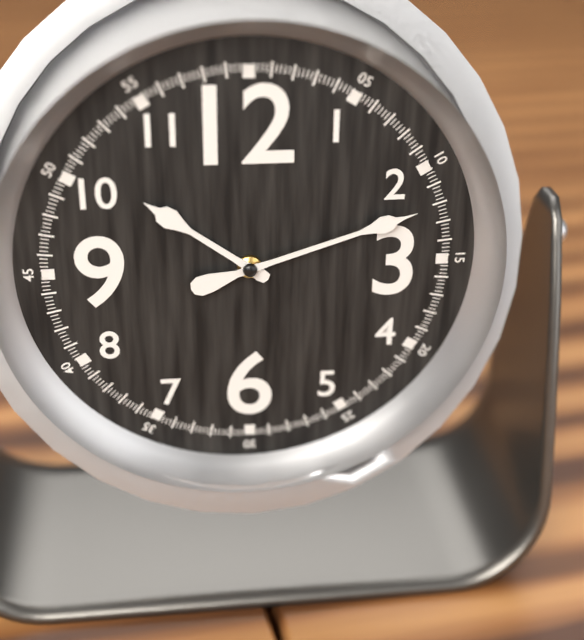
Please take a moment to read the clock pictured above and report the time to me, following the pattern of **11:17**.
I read **10:12**
